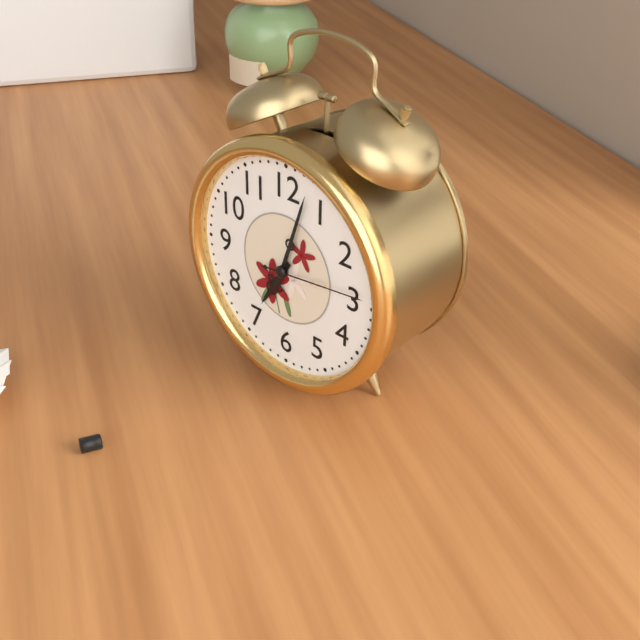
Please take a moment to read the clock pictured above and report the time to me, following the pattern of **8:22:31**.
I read **7:03:14**
